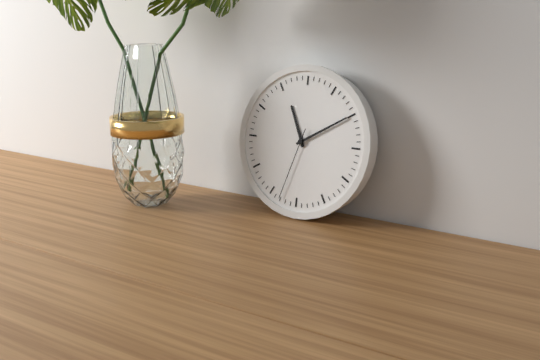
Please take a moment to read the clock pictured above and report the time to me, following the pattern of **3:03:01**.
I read **11:10:33**
